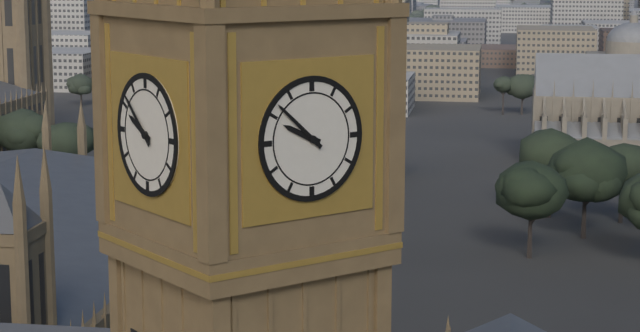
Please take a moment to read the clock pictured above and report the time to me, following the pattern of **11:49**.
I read **9:52**
